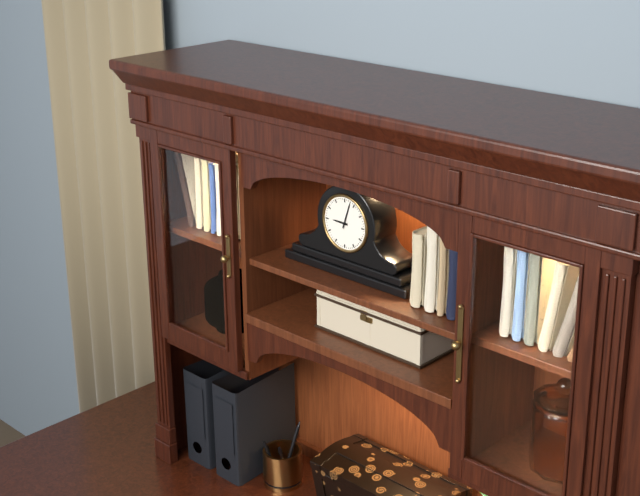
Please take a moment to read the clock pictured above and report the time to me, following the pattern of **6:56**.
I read **9:03**
